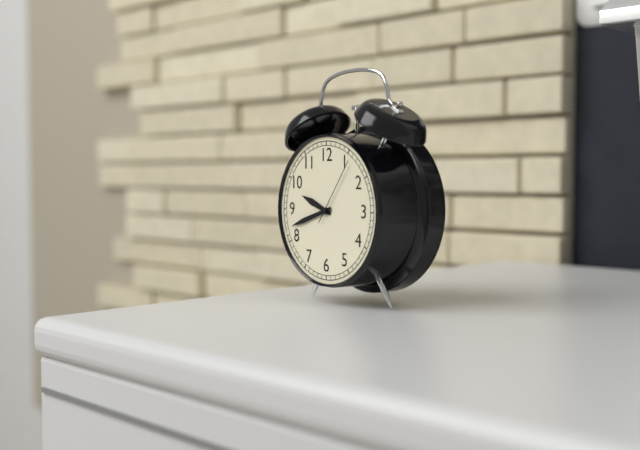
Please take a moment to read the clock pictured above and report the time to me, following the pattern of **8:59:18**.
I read **9:42:06**
